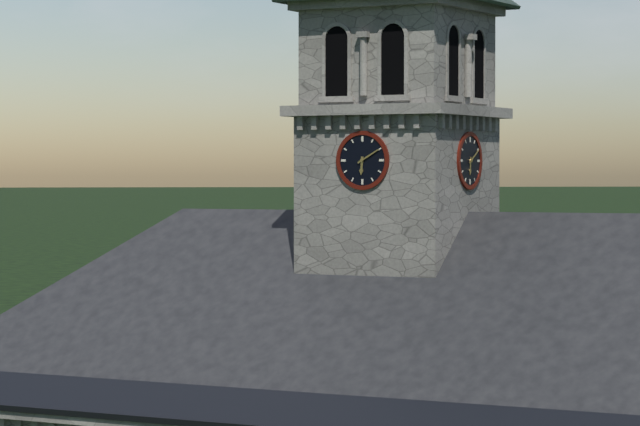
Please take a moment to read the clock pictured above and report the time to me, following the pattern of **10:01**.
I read **6:10**
